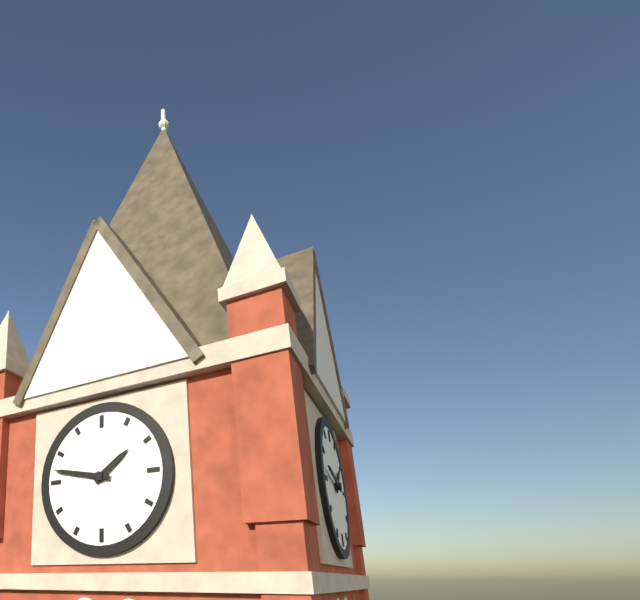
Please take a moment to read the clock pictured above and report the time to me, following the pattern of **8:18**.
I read **1:47**
